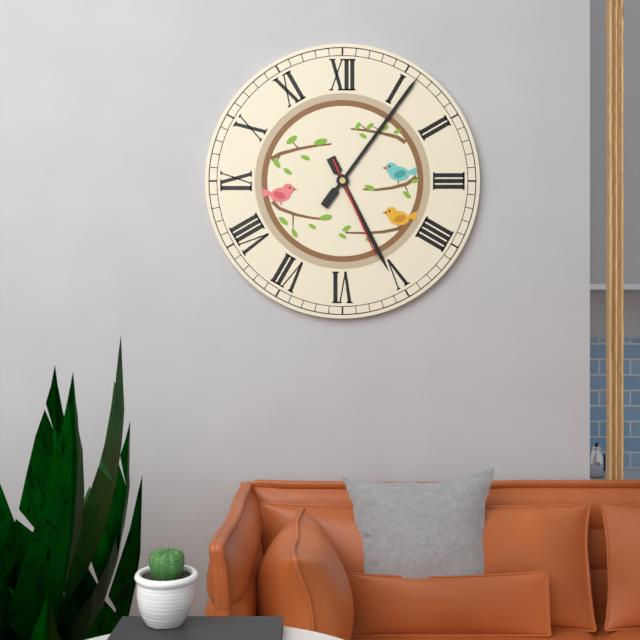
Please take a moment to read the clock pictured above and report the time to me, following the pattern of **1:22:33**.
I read **5:06:26**
